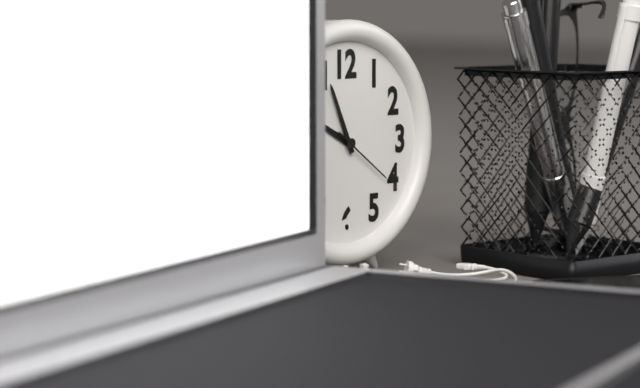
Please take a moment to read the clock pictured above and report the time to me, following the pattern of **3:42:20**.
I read **9:56:21**
